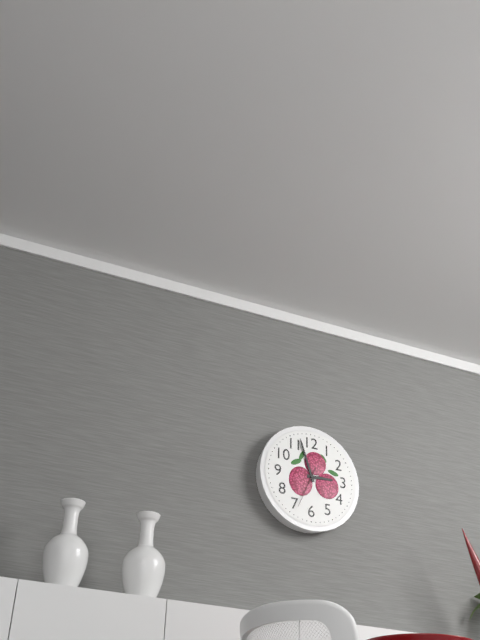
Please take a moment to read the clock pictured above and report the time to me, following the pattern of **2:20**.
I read **2:57**
